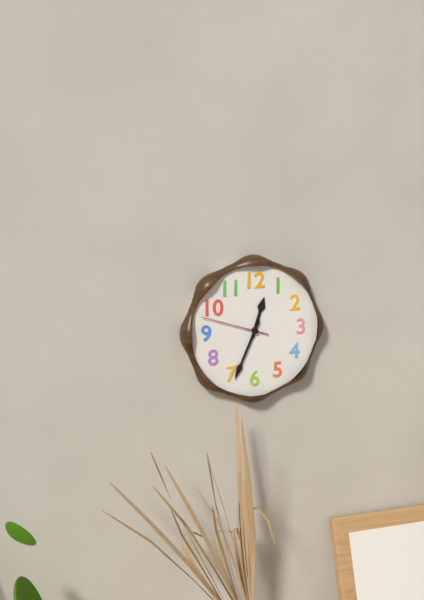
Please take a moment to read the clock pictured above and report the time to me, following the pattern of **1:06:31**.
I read **12:34:48**
